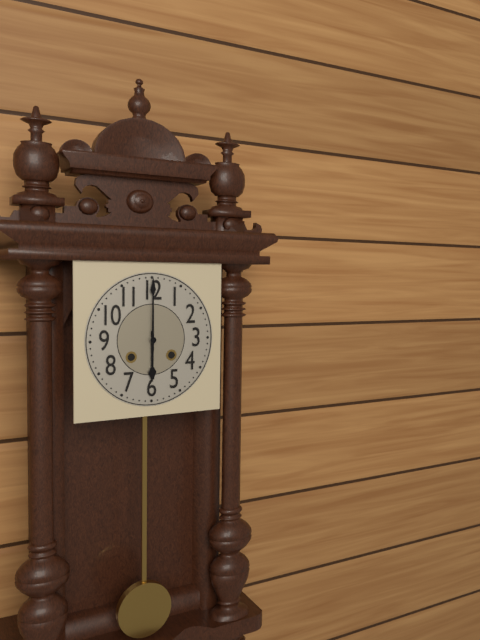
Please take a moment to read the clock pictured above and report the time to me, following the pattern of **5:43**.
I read **6:00**
